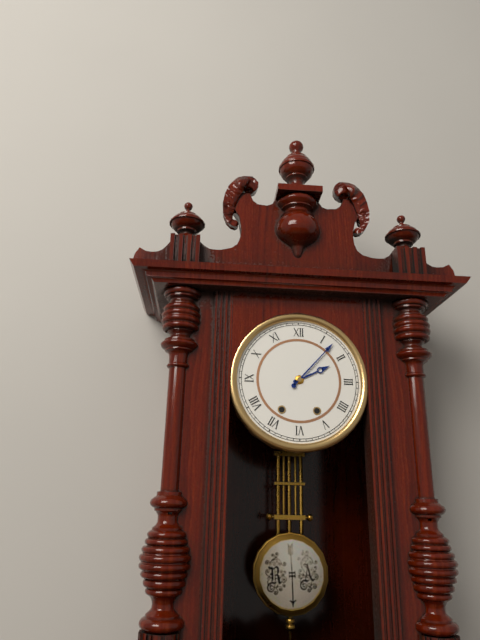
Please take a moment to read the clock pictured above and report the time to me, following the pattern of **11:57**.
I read **2:07**
